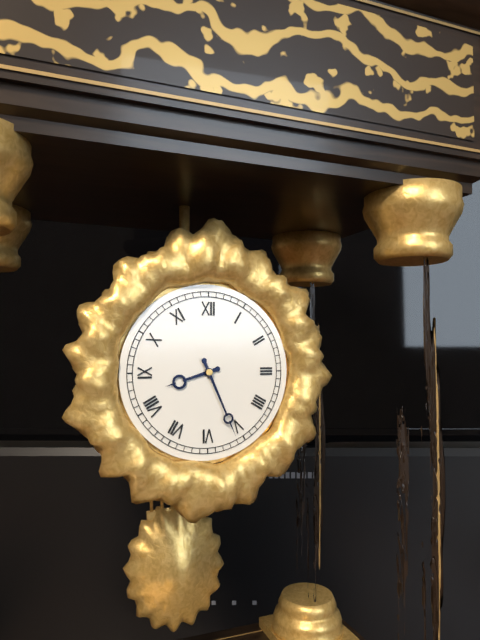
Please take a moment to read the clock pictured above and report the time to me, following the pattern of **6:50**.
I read **8:26**
